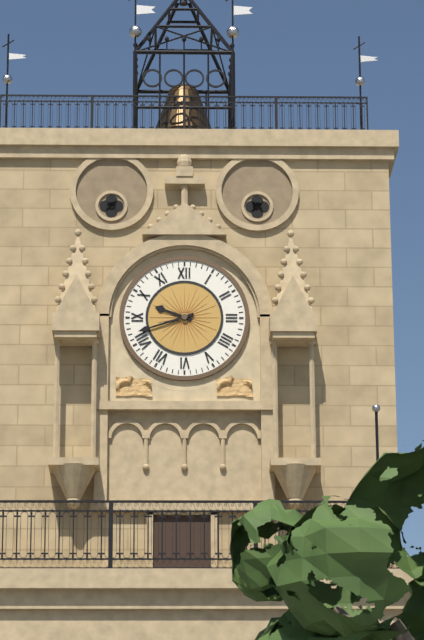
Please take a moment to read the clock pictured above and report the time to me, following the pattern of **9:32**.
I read **9:42**
